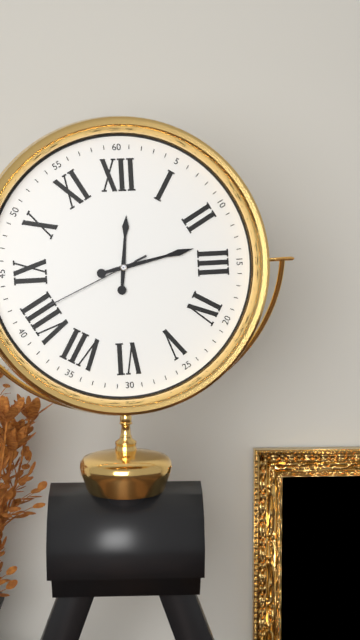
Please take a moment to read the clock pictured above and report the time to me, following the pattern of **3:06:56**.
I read **12:13:41**
